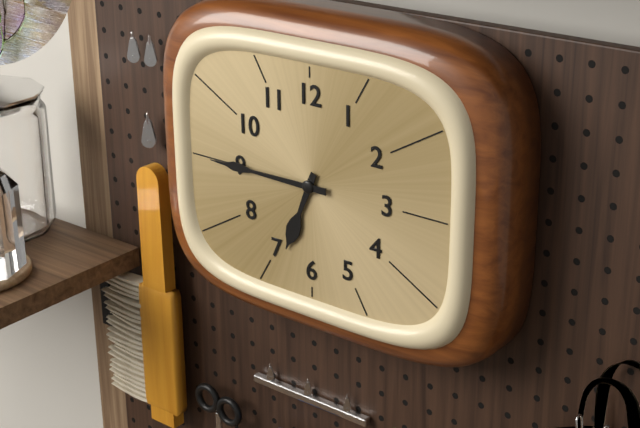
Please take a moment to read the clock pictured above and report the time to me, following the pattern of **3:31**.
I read **6:45**
